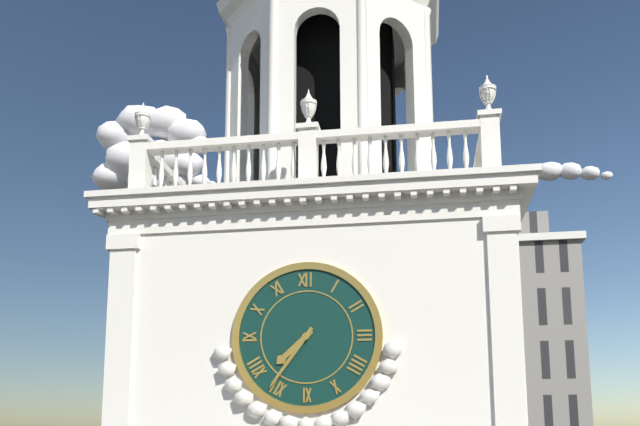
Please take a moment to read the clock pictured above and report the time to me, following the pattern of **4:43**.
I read **7:36**
